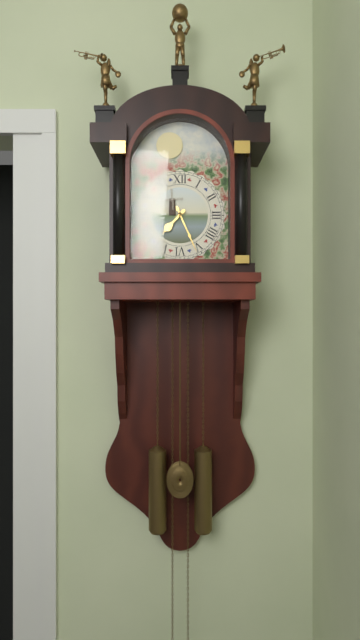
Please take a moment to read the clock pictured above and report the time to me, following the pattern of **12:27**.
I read **7:26**
